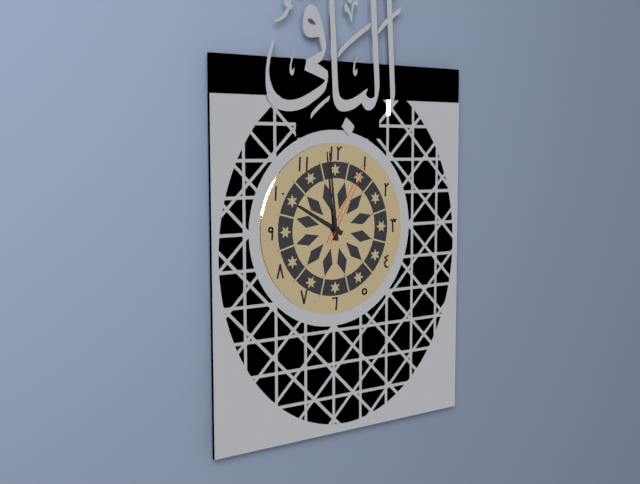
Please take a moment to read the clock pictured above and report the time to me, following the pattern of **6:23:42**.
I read **9:59:05**
